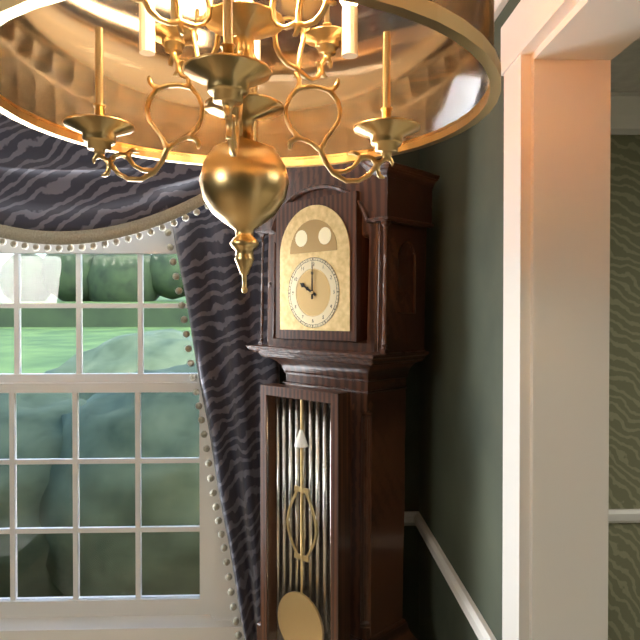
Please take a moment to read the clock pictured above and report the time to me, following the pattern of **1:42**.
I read **10:00**
